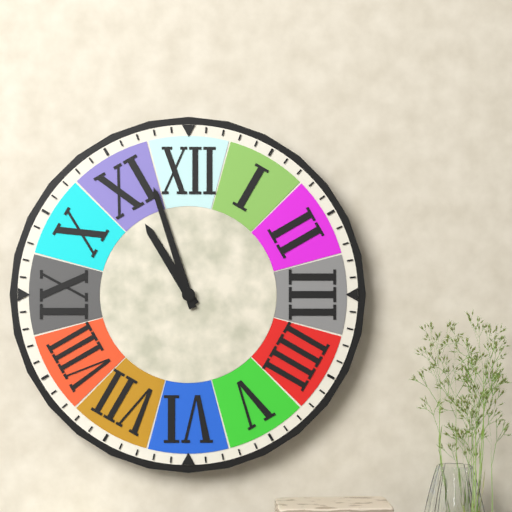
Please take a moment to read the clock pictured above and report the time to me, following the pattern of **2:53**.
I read **10:57**
